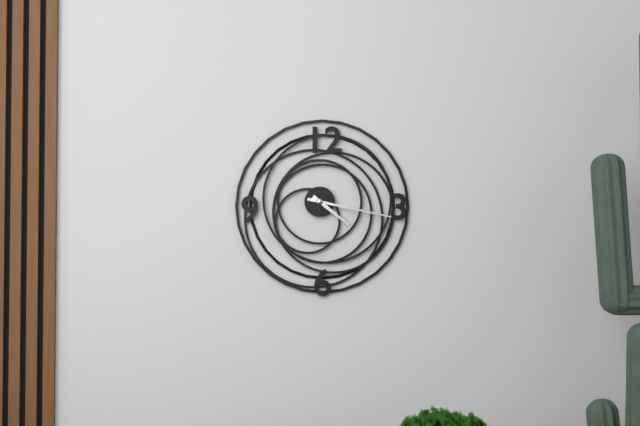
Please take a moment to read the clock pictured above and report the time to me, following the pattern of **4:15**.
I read **4:17**
